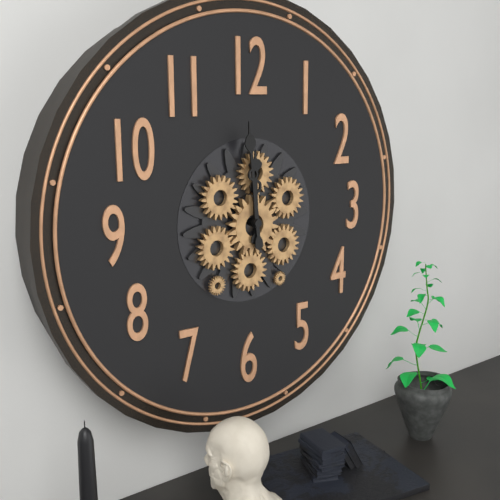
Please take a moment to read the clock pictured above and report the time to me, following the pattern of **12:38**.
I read **11:59**
